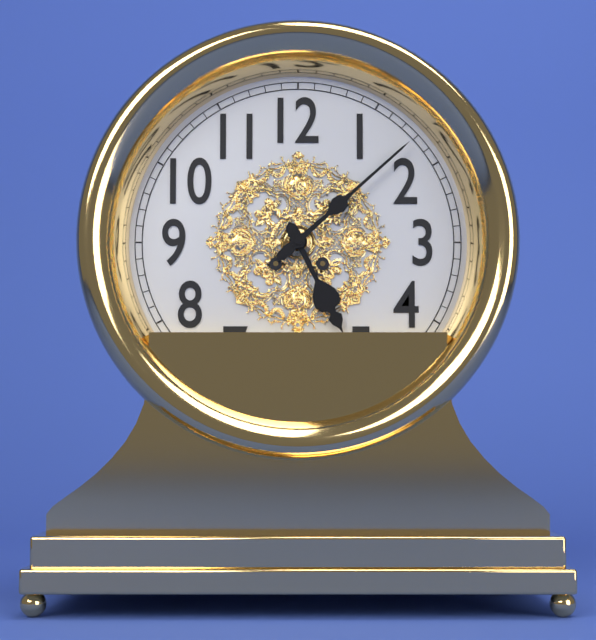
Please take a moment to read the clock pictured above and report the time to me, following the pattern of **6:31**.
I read **5:08**
